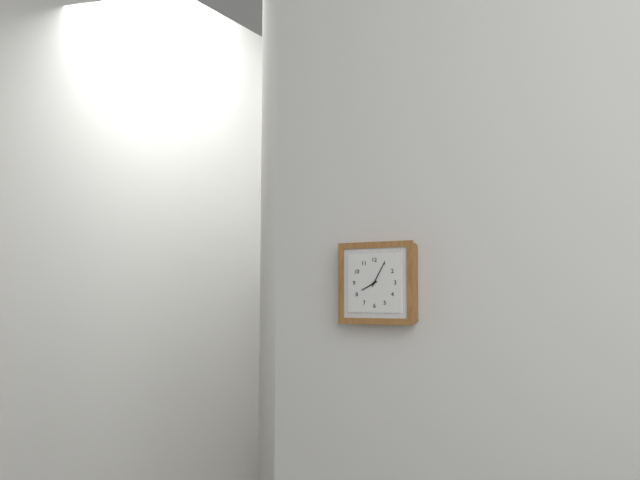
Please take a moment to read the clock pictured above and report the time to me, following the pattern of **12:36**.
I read **8:05**
